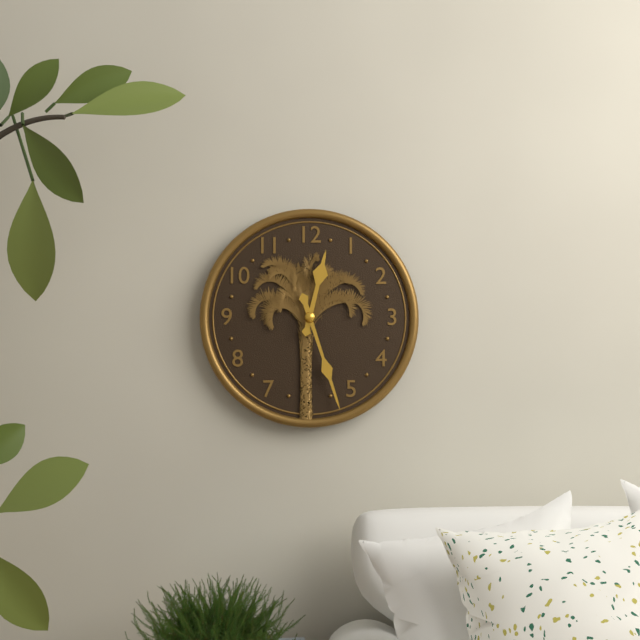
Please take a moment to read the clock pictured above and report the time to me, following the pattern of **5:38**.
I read **12:27**
